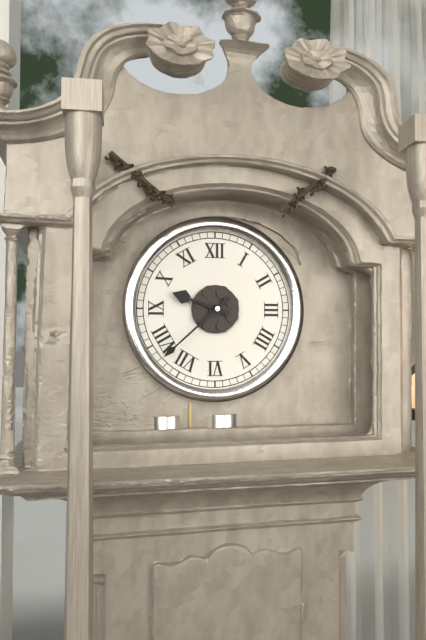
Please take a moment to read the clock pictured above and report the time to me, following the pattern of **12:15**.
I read **9:38**
